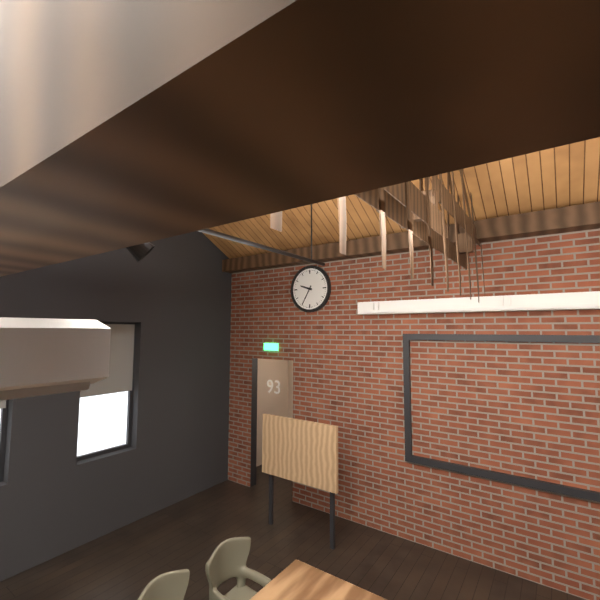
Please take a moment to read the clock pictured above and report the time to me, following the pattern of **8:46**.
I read **9:35**
